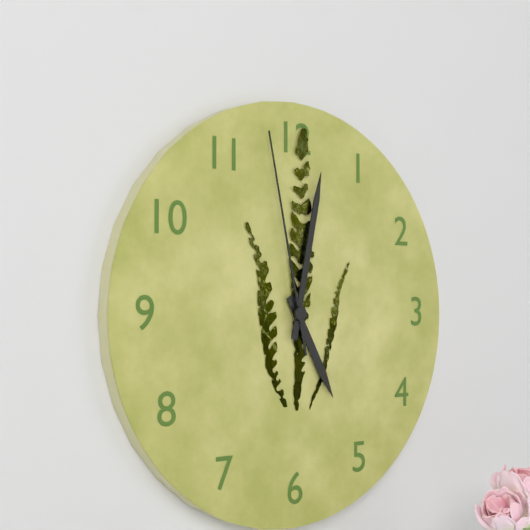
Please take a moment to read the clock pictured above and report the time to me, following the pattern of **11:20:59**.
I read **5:02:58**
